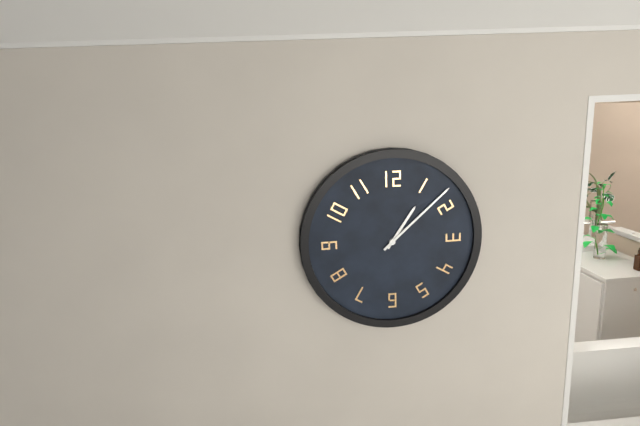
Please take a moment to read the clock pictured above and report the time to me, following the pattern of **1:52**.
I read **1:08**
